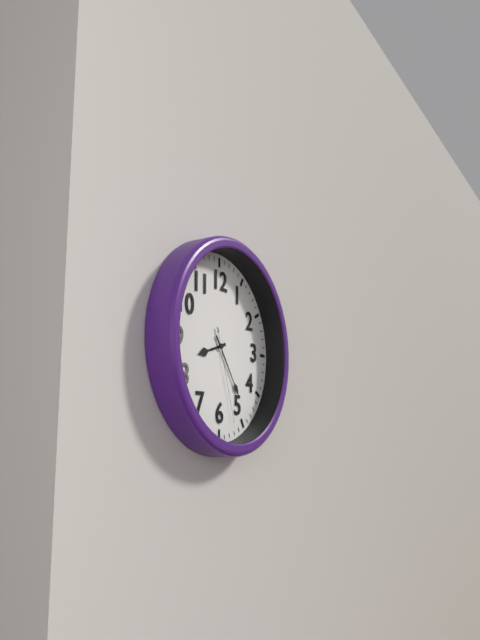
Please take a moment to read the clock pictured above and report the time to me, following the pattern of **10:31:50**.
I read **8:24:27**
